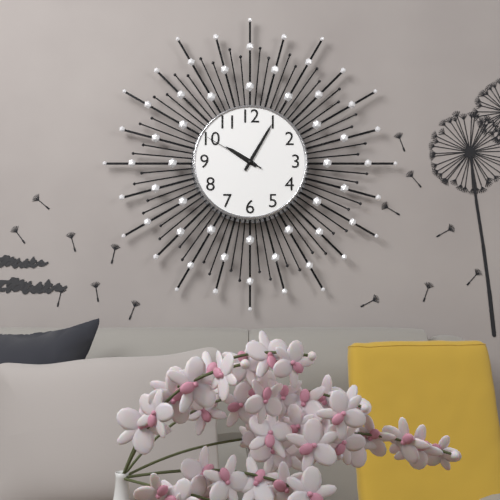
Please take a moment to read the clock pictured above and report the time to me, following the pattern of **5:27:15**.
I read **10:05:50**
